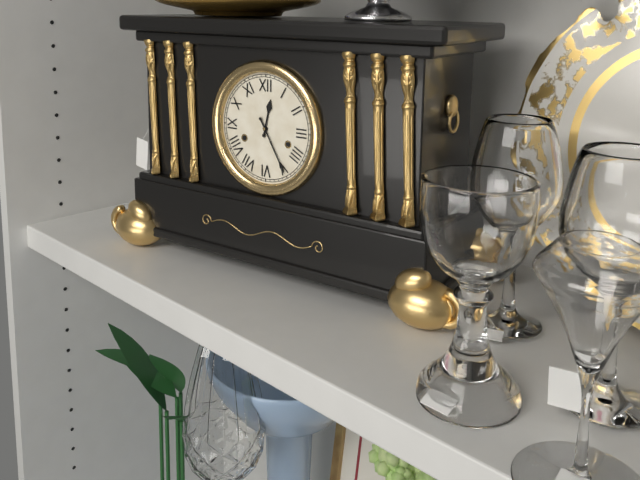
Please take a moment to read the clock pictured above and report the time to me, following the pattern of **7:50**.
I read **12:25**
